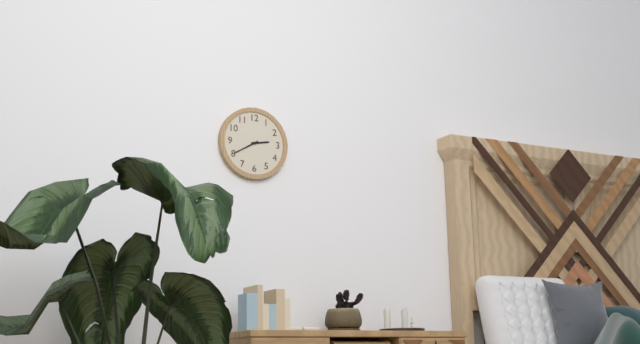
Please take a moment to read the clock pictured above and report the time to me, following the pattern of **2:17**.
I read **2:40**
